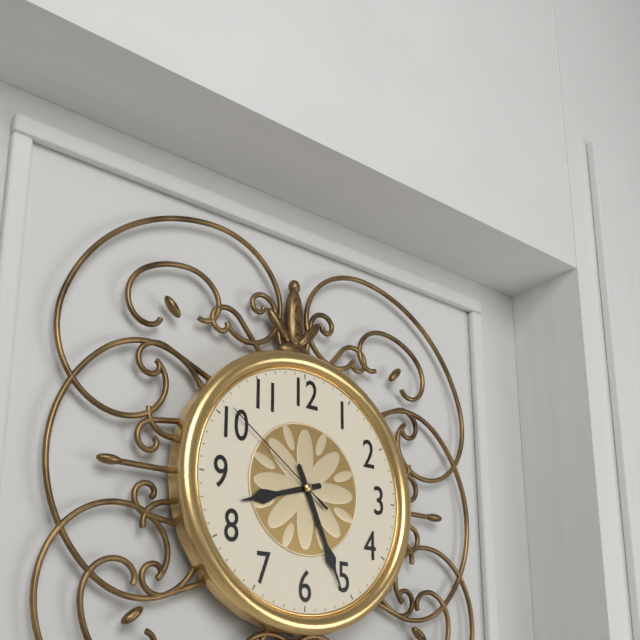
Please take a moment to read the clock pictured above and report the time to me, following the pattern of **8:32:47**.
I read **8:26:51**
